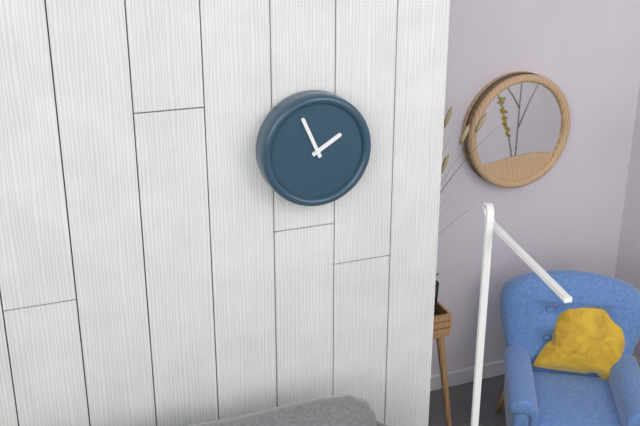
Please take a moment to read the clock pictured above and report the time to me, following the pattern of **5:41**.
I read **1:56**
